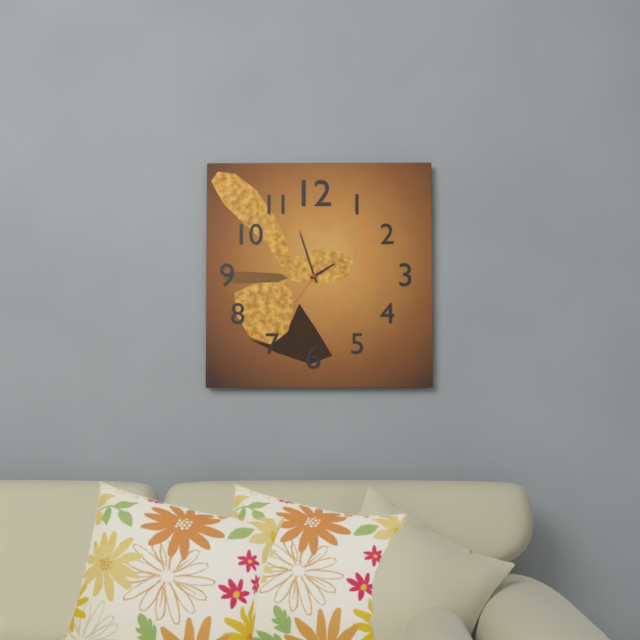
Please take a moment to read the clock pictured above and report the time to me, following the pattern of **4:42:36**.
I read **1:57:36**
